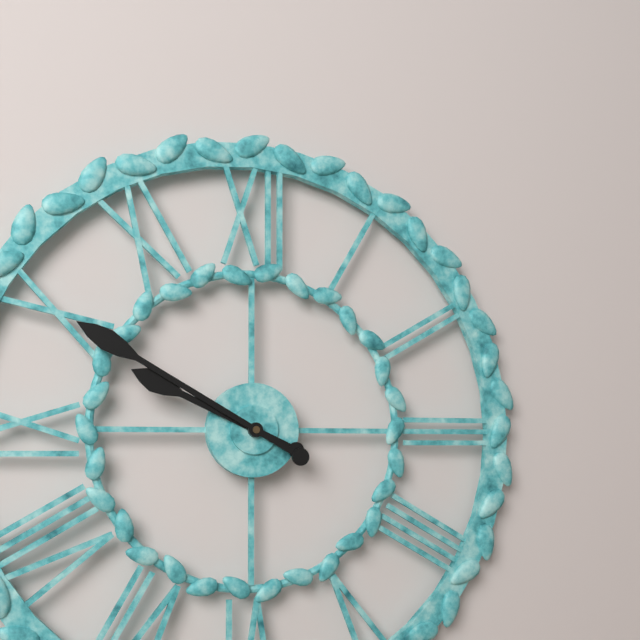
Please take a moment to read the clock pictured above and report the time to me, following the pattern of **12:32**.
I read **9:50**
